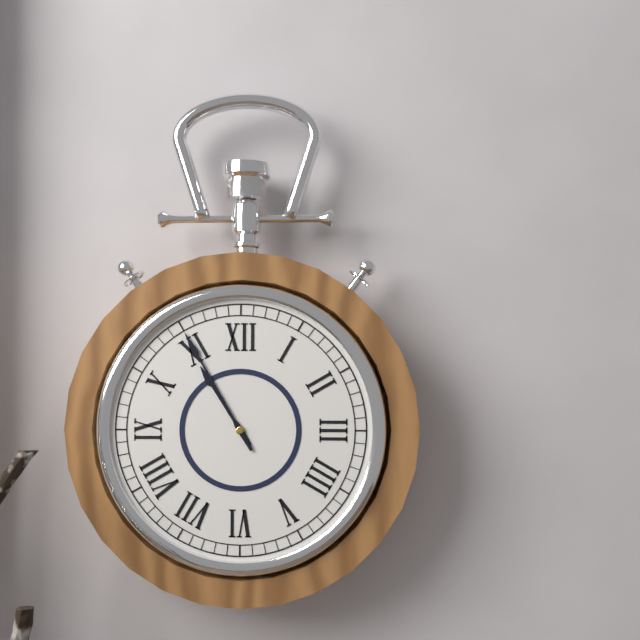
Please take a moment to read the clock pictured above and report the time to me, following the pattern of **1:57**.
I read **10:55**
